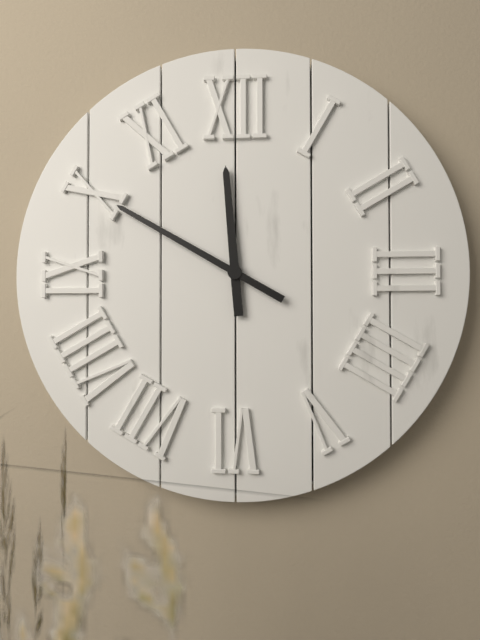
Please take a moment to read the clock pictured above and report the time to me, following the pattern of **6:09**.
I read **11:50**
